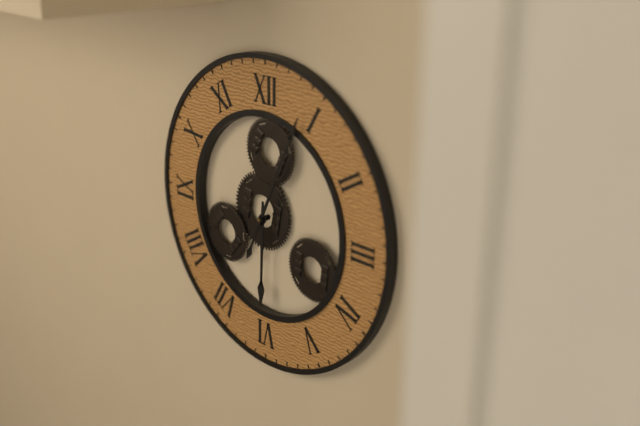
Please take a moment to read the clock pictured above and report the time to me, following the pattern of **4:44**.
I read **6:04**
